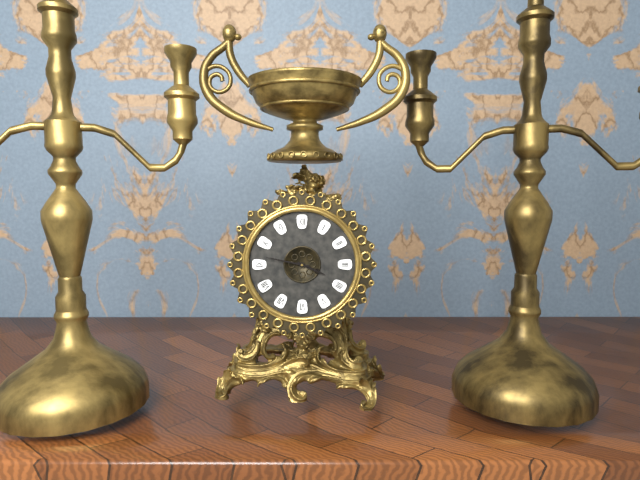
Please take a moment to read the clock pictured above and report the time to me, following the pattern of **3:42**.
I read **3:47**
